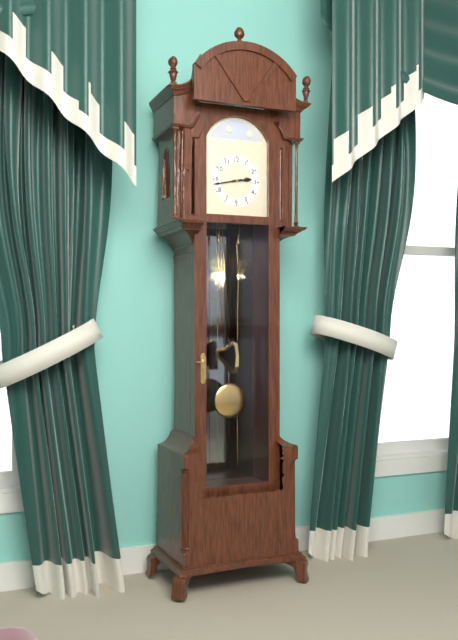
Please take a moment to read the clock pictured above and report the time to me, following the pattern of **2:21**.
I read **2:43**
